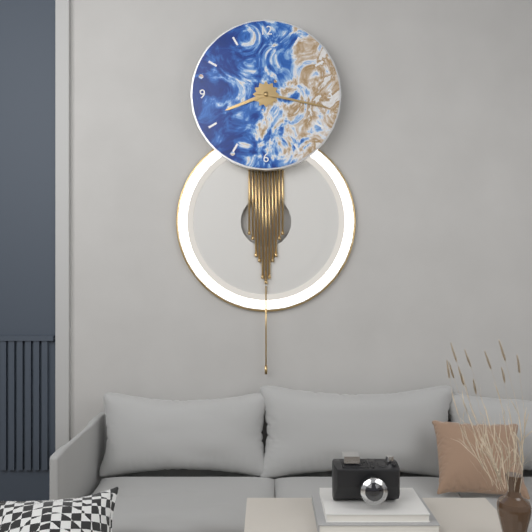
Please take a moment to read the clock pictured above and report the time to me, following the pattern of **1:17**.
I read **8:17**
